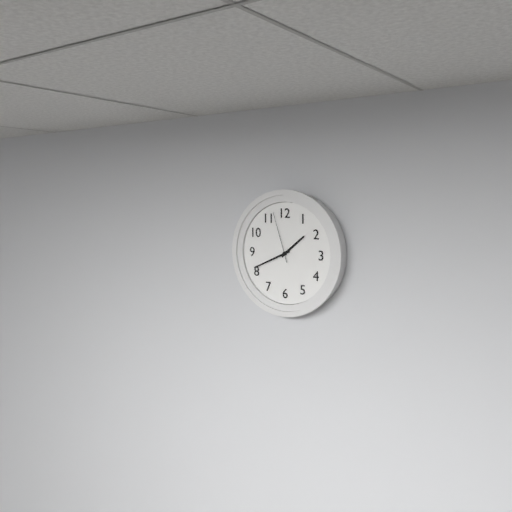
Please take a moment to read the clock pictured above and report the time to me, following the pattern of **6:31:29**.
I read **1:41:57**
